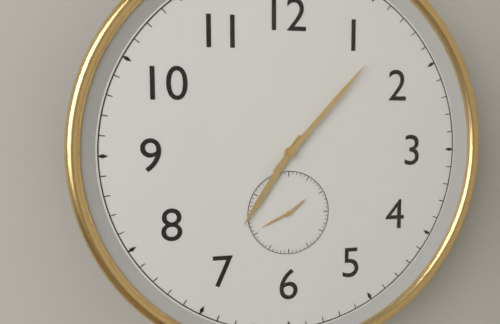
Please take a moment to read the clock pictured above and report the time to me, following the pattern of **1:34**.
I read **7:07**
